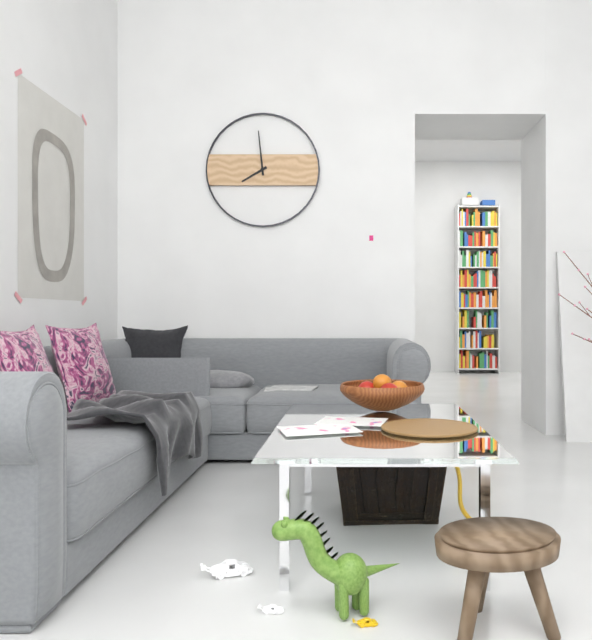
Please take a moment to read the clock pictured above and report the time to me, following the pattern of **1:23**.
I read **7:59**
